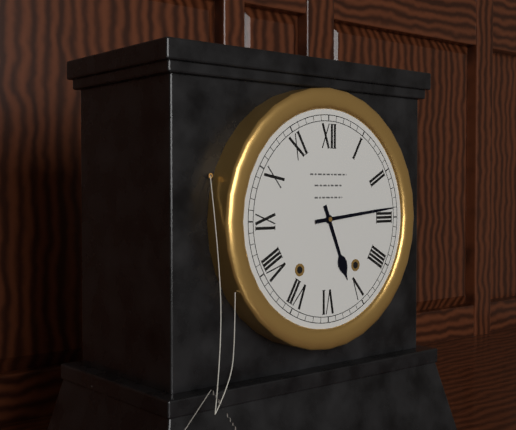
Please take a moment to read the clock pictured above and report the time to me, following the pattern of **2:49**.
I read **5:14**
